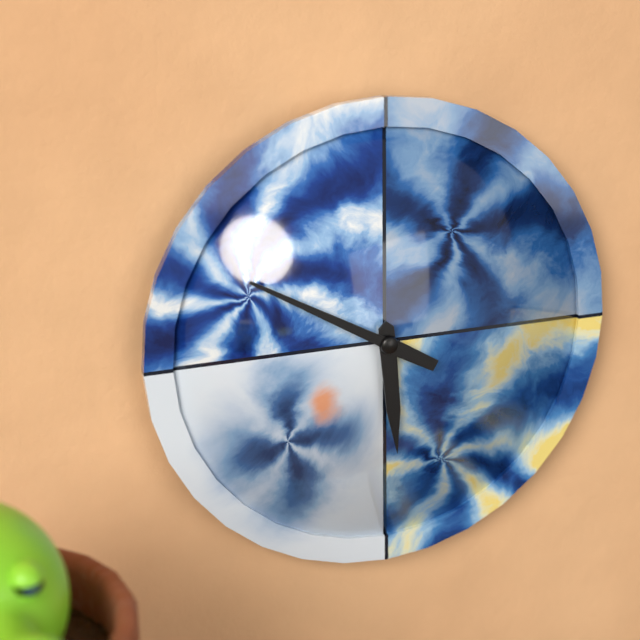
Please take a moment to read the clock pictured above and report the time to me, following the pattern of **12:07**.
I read **5:50**
